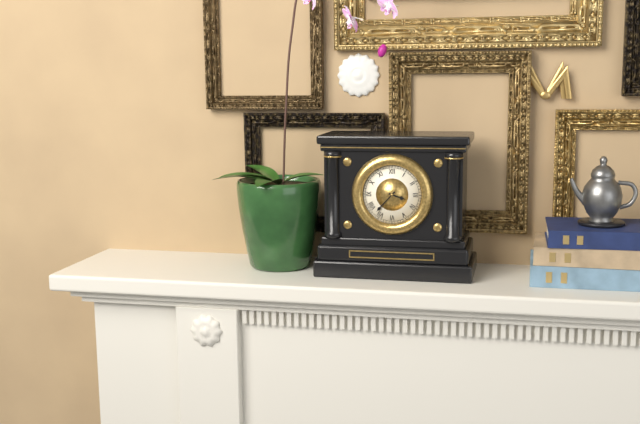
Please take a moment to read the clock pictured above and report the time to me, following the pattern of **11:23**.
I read **3:37**
